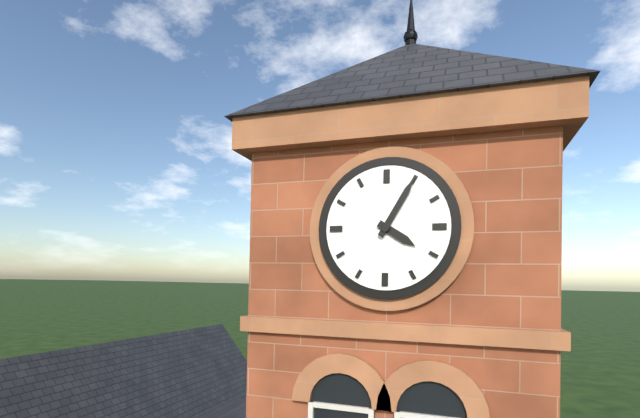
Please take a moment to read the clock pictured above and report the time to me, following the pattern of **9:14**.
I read **4:05**
